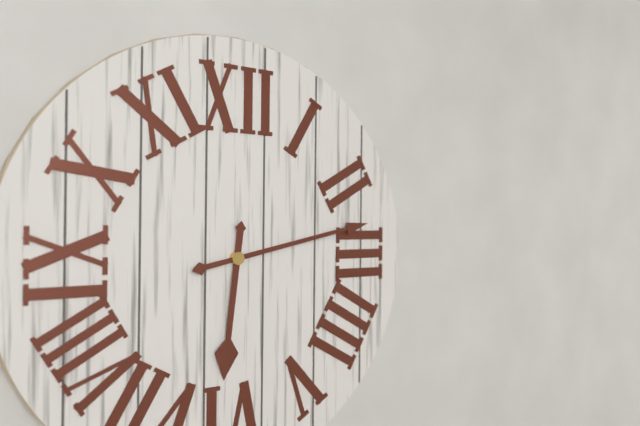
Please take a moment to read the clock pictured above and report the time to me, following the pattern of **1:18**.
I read **6:13**
